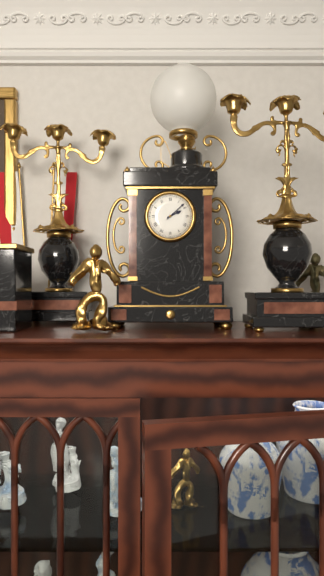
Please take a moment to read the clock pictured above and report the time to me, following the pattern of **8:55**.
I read **2:08**
